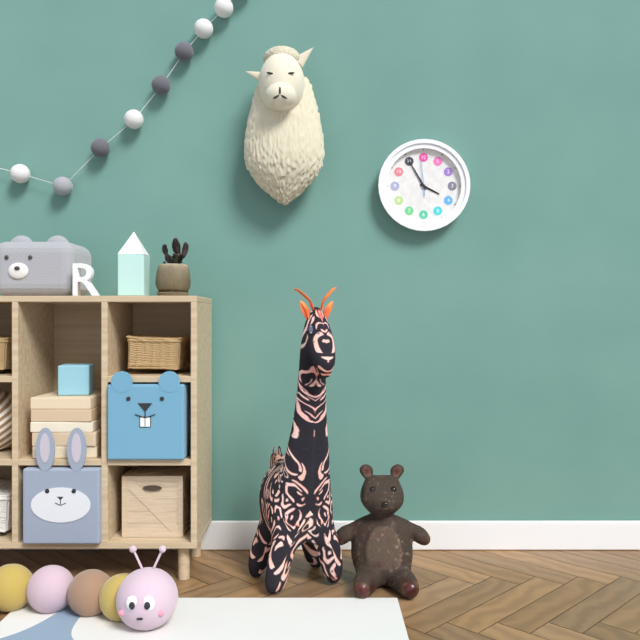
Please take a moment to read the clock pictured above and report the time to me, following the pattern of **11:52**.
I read **3:55**
